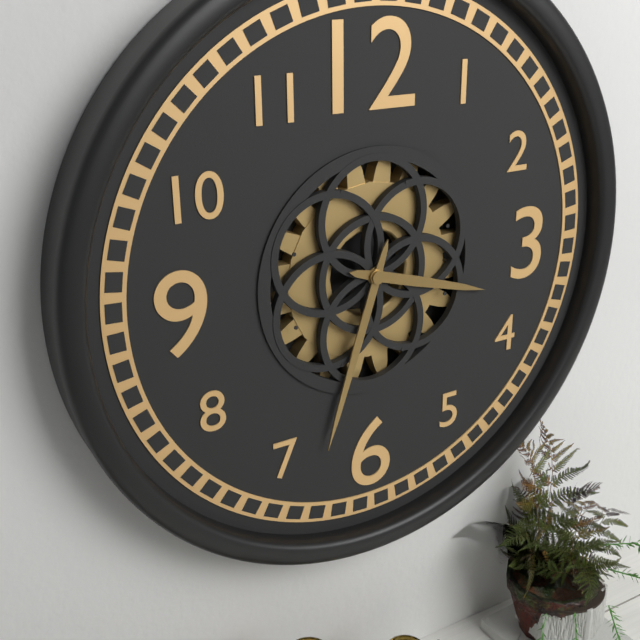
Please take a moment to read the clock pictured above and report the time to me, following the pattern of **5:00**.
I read **3:33**
